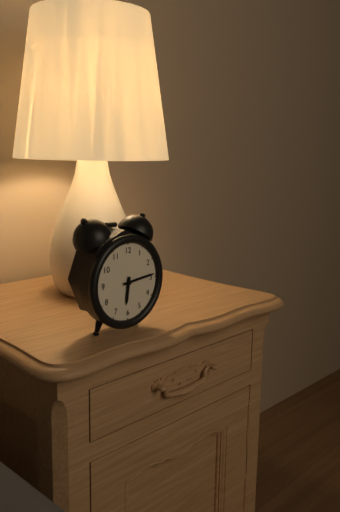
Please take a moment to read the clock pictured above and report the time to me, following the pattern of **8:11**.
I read **6:14**
